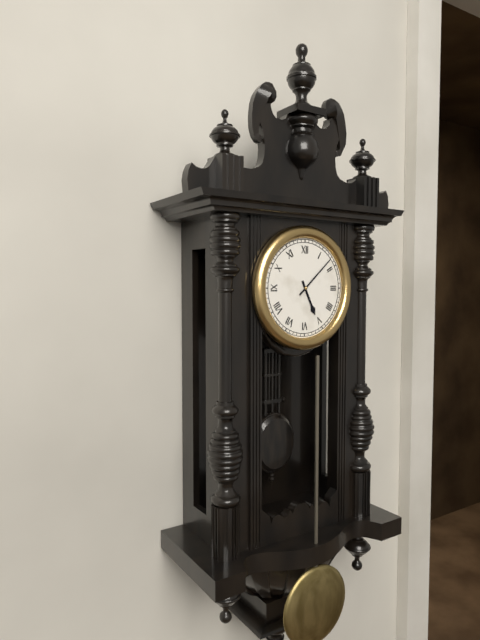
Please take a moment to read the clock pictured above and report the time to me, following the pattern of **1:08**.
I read **5:08**
